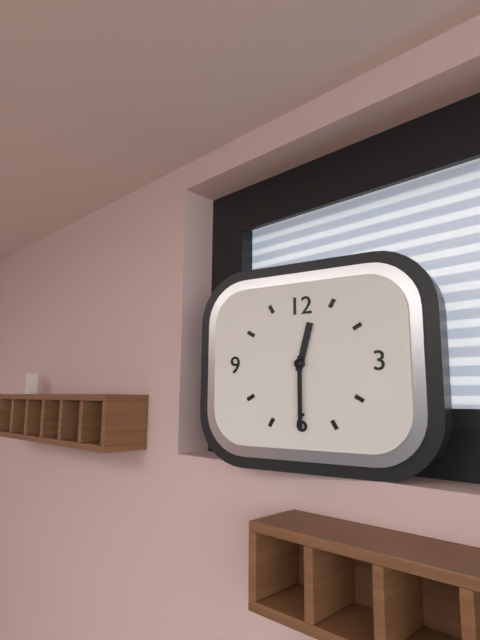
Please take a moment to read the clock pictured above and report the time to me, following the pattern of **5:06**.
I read **12:30**
